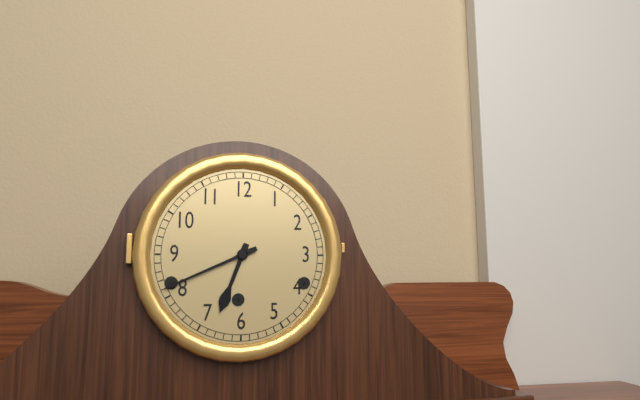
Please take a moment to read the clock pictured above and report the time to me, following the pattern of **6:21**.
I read **6:41**
